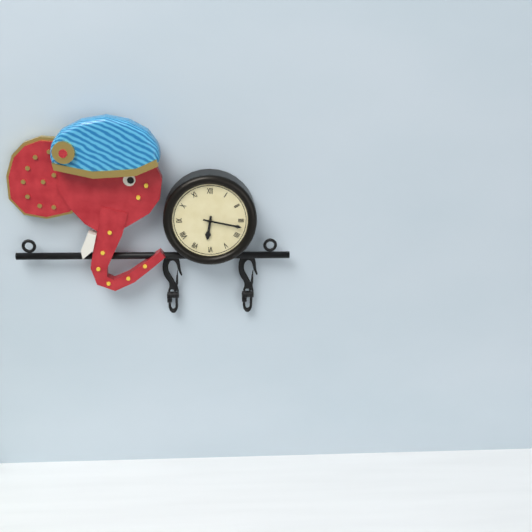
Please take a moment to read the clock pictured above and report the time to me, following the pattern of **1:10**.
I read **6:17**
